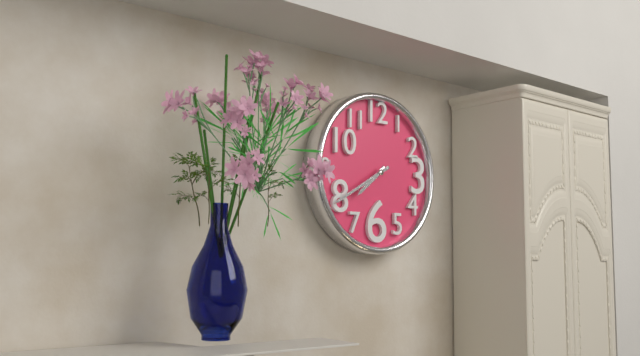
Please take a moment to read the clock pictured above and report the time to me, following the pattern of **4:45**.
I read **7:40**
